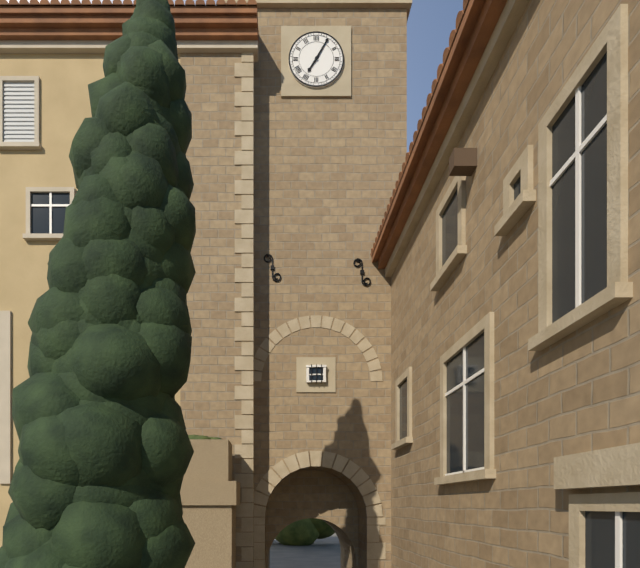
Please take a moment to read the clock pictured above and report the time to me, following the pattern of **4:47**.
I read **7:05**
